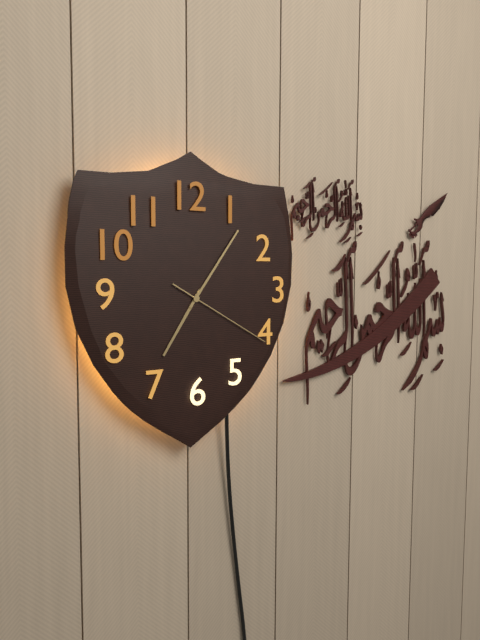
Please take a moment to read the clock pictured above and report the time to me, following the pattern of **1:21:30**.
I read **7:06:20**
